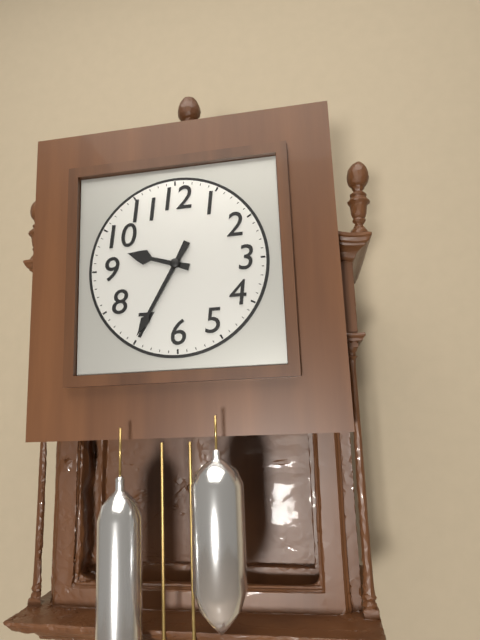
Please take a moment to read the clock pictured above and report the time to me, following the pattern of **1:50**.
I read **9:35**
